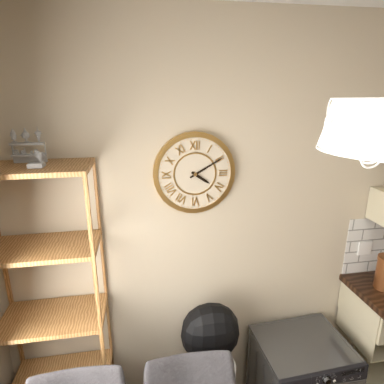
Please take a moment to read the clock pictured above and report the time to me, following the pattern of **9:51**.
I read **4:10**
